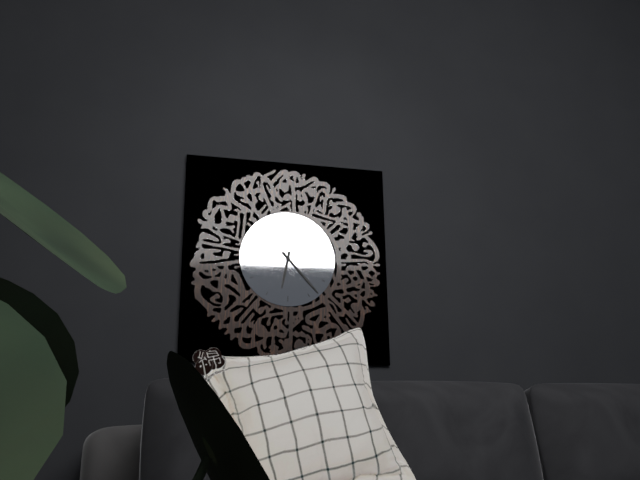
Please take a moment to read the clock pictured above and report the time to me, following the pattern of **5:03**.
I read **6:23**
